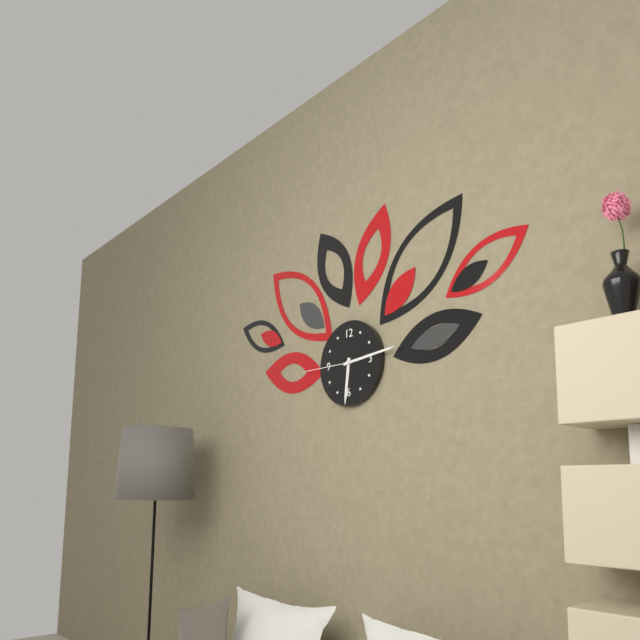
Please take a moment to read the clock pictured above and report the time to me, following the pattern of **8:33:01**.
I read **6:14:45**
